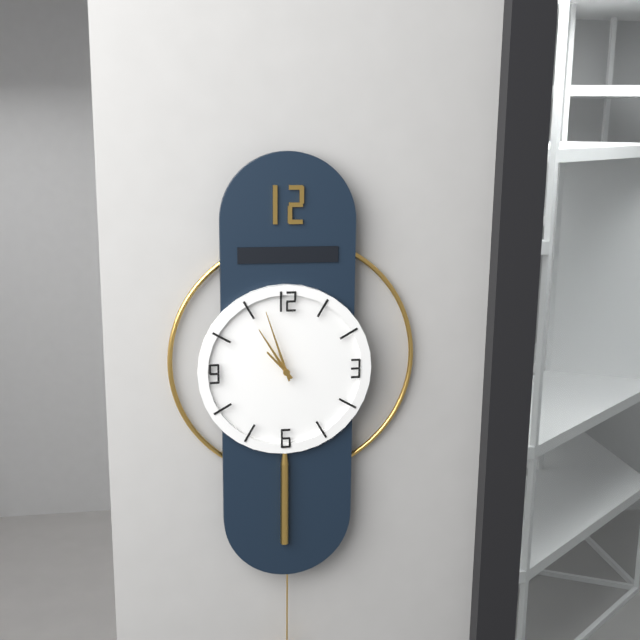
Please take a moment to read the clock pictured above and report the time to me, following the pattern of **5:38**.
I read **10:57**
